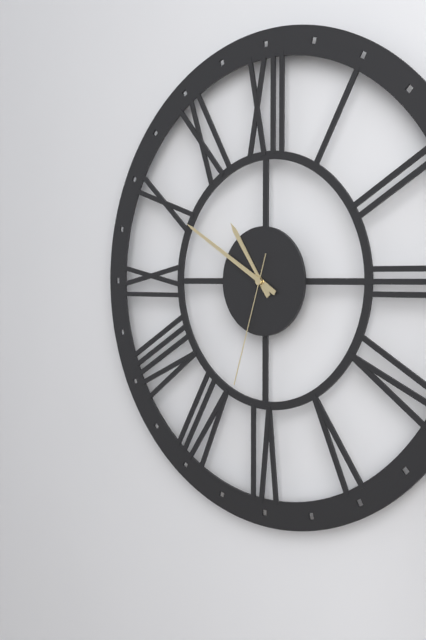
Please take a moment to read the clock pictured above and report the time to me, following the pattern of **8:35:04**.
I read **10:50:33**
